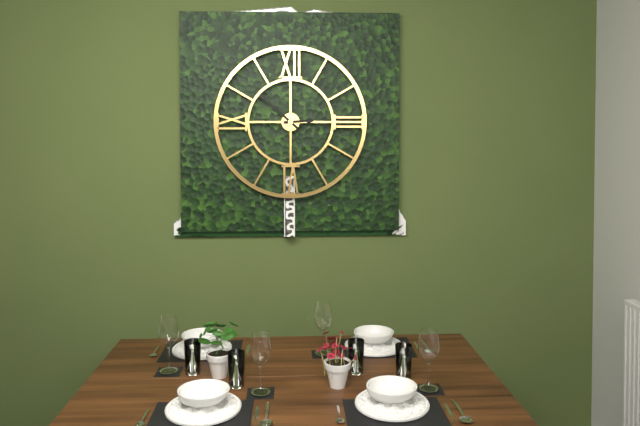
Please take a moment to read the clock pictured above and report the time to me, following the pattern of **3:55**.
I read **2:52**
